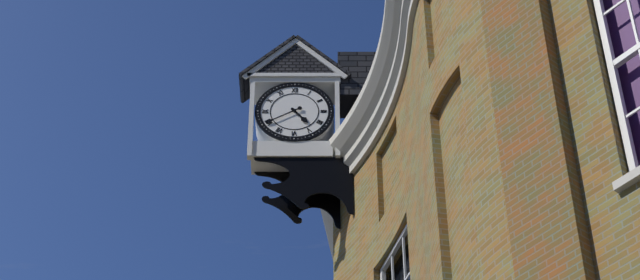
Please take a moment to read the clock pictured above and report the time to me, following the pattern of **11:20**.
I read **4:40**
